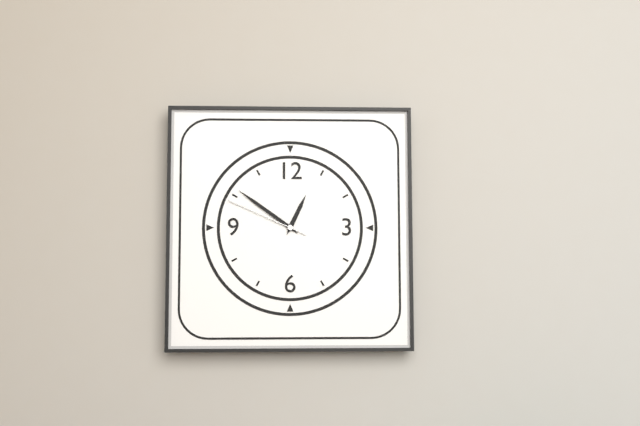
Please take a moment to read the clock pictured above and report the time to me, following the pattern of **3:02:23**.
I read **12:51:49**
